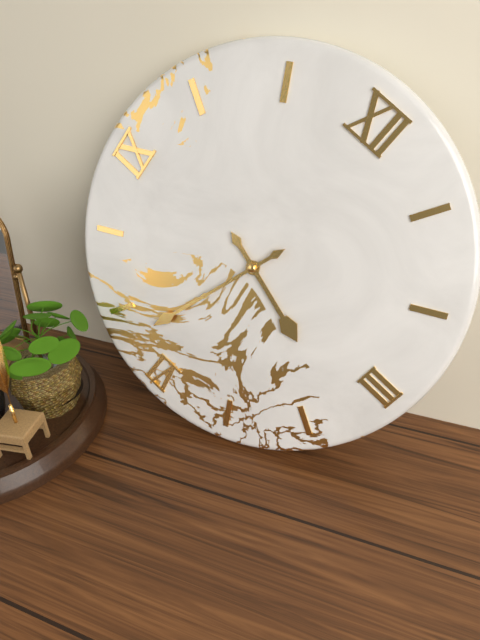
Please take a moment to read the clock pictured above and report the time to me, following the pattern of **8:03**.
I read **3:33**
